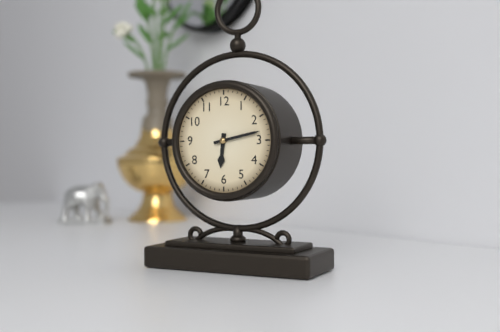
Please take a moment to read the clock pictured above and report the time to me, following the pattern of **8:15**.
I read **6:13**
